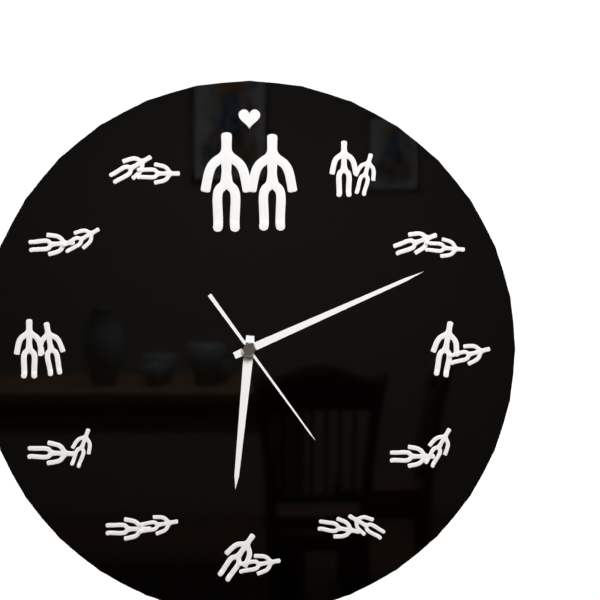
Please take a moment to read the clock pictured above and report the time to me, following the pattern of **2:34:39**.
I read **6:11:24**
